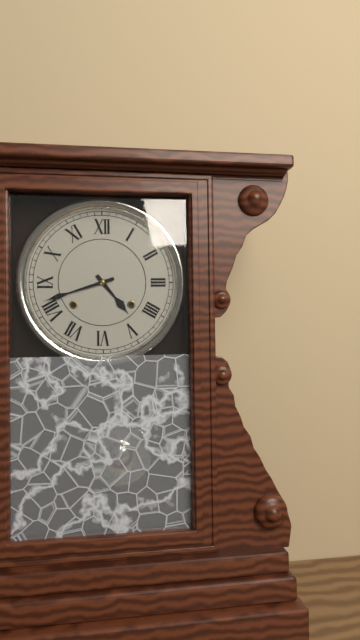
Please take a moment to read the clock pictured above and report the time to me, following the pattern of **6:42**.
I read **4:42**
